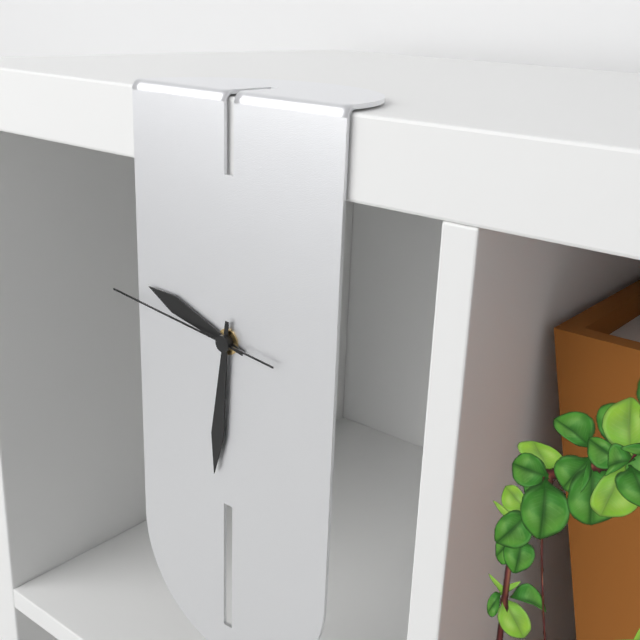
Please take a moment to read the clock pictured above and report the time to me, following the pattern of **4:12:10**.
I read **9:31:46**
